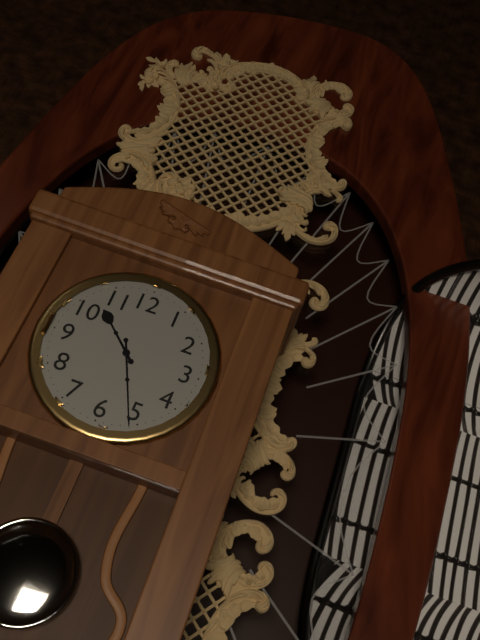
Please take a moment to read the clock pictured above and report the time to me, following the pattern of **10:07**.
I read **10:26**
